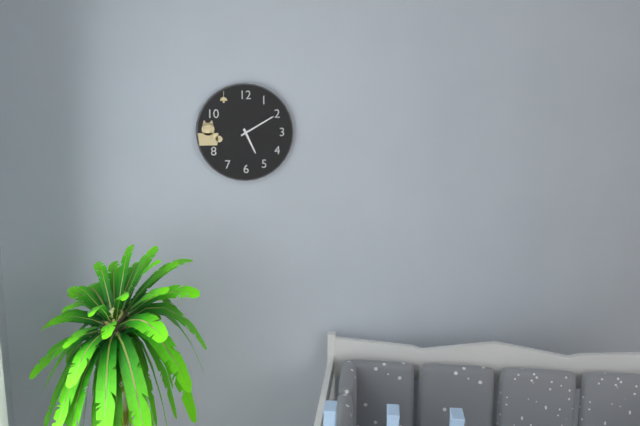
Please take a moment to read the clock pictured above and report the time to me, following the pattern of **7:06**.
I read **5:10**
